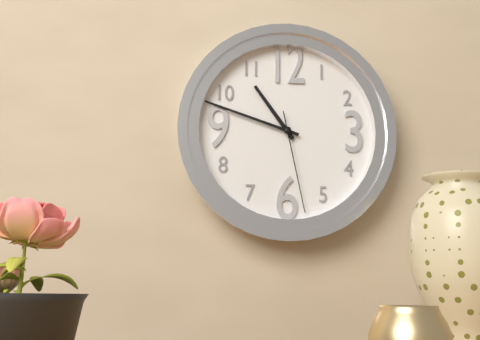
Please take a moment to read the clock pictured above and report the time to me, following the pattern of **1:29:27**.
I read **10:48:28**
